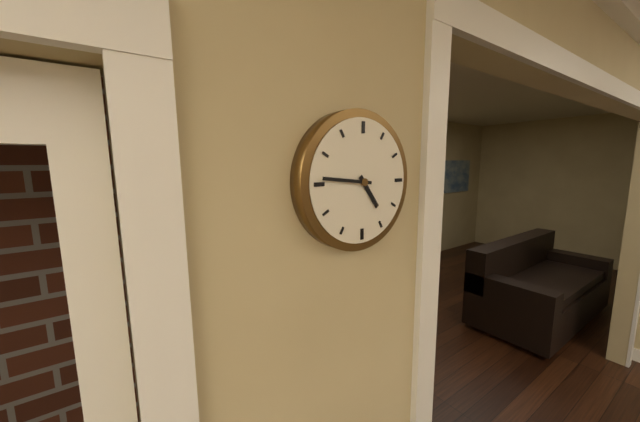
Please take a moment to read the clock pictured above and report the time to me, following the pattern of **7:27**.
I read **4:46**
